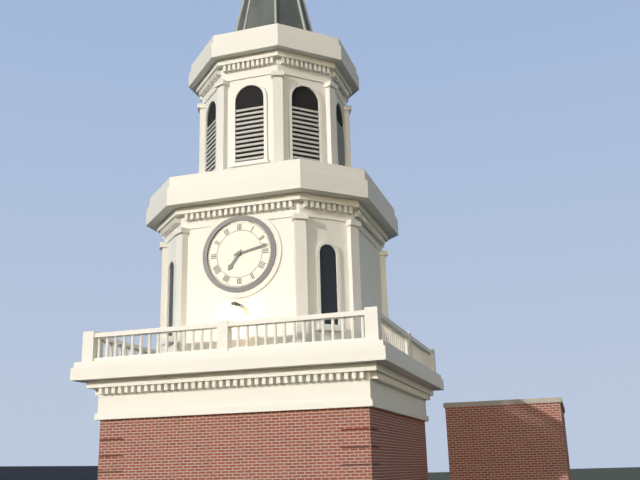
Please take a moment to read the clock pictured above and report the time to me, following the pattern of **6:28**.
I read **7:13**
